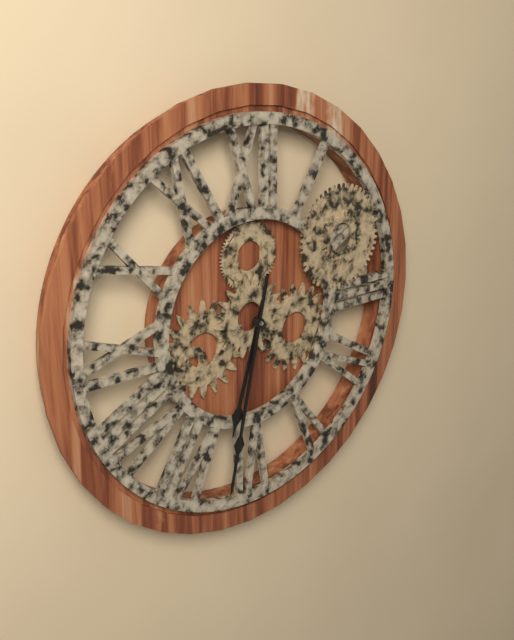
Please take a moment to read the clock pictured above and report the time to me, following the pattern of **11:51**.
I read **6:32**
